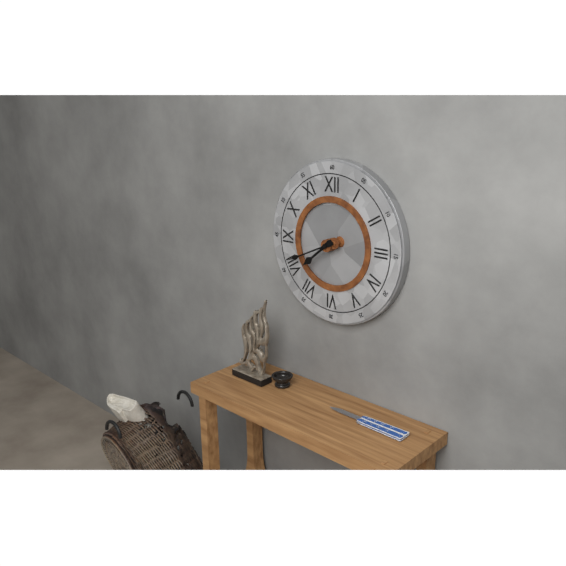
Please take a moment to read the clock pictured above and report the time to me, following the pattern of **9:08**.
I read **7:41**
